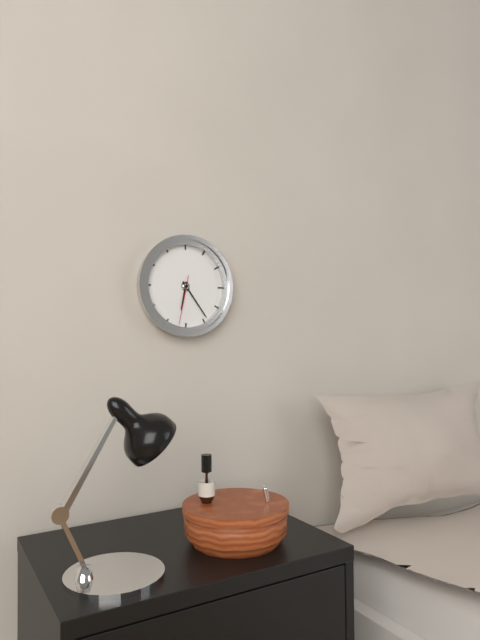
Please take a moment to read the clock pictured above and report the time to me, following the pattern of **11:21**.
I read **6:24**
